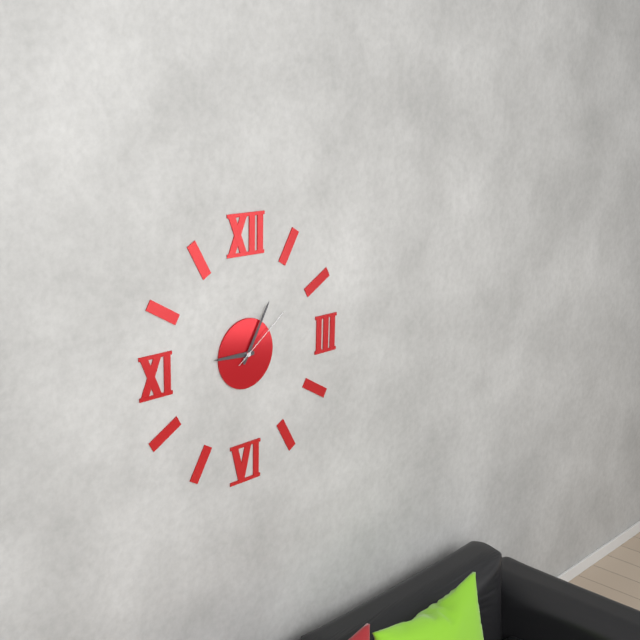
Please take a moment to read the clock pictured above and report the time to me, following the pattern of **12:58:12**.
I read **9:05:09**
